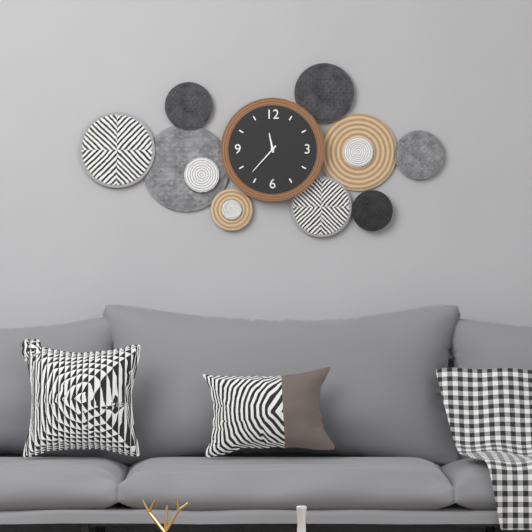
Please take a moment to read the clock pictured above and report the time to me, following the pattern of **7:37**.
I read **11:37**
